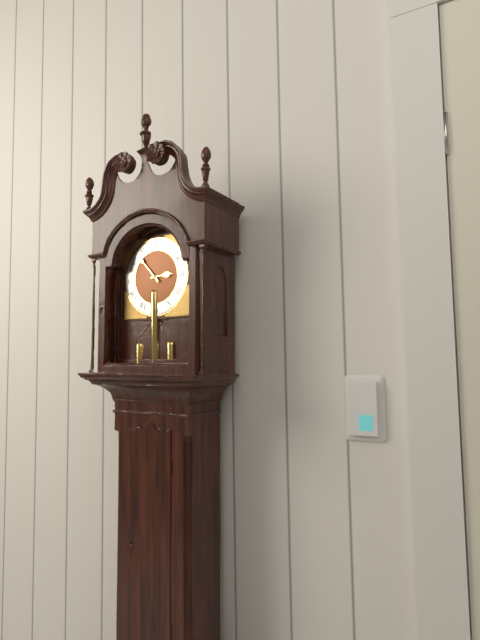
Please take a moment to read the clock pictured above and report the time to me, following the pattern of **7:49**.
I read **2:53**
